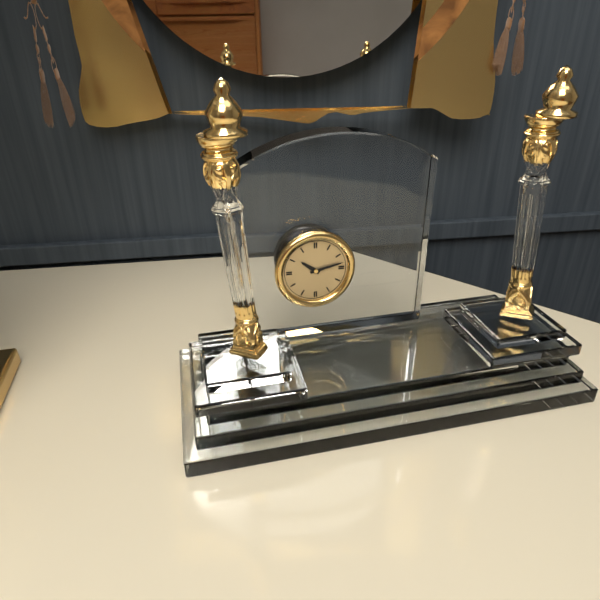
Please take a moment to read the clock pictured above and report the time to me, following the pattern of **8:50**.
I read **10:13**
